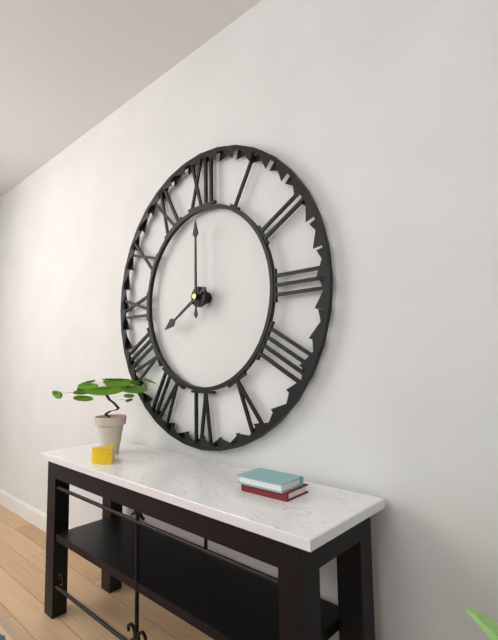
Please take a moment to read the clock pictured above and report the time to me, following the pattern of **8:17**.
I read **8:00**
